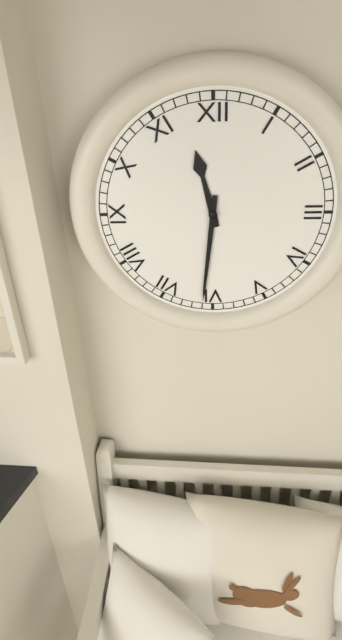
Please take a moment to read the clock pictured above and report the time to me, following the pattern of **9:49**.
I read **11:31**
